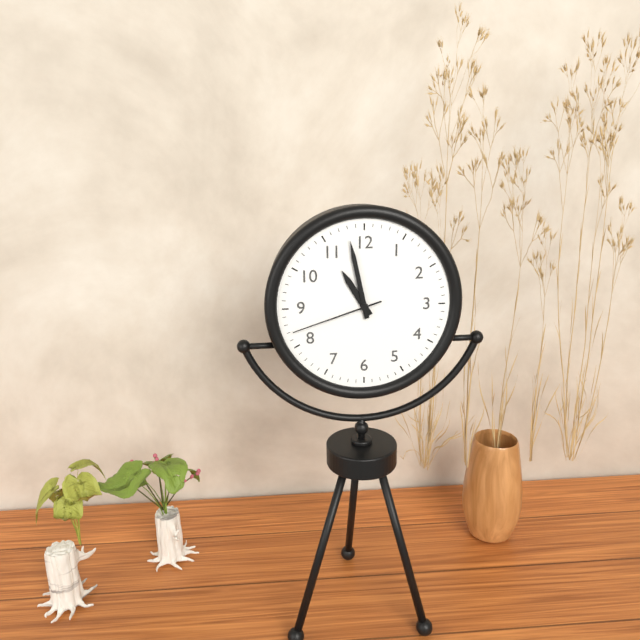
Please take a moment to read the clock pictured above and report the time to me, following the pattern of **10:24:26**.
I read **10:58:42**
